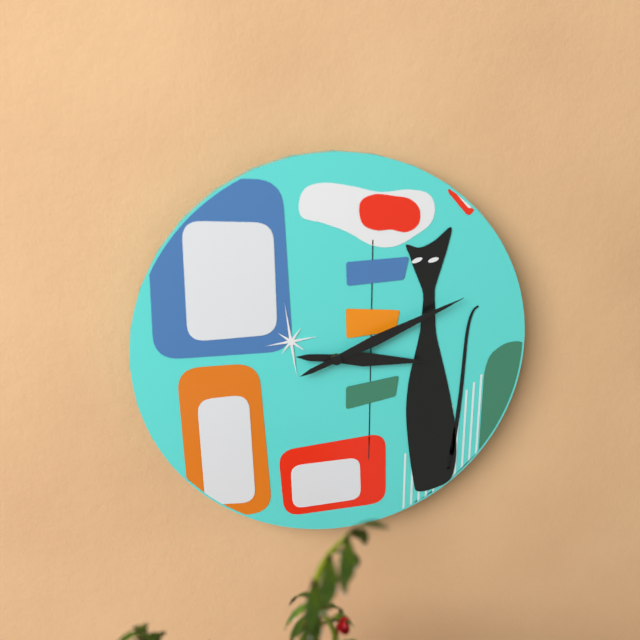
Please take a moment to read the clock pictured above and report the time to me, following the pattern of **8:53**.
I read **3:11**
